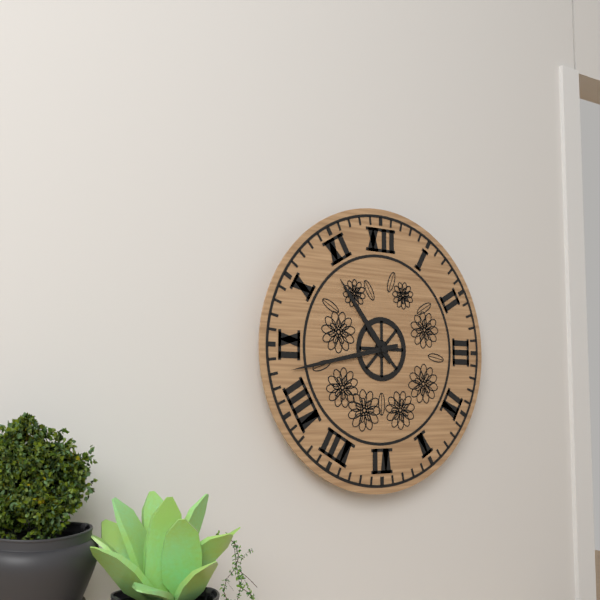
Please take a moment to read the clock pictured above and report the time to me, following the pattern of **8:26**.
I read **10:43**
